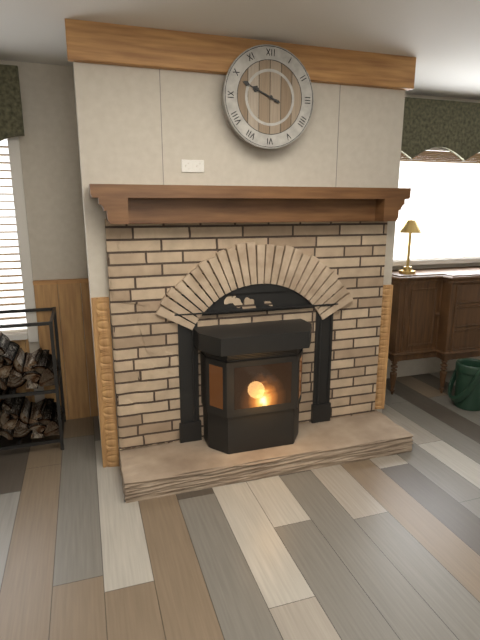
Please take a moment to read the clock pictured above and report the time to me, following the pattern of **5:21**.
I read **9:49**
